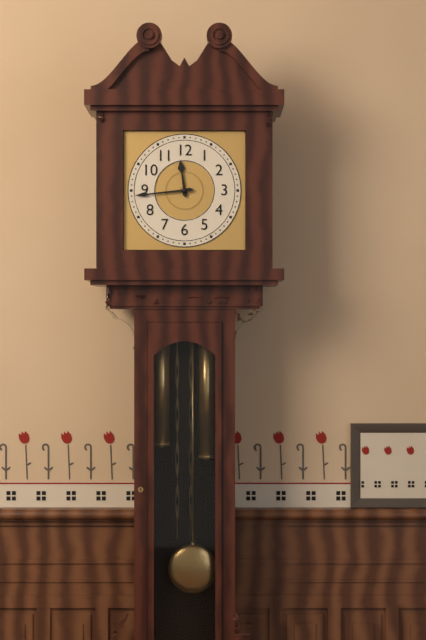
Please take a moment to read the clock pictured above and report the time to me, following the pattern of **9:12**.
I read **11:44**
